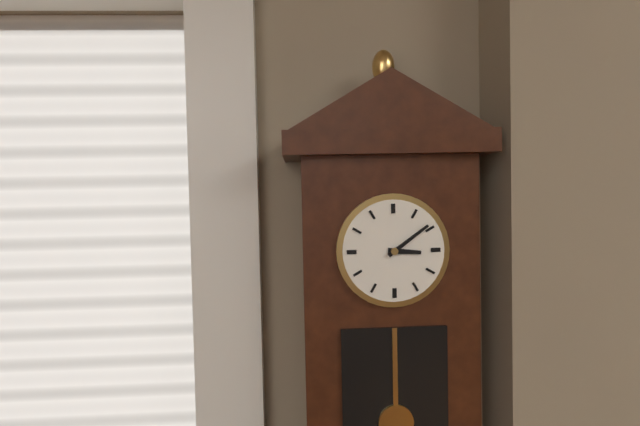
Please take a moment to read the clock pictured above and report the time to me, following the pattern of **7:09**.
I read **3:09**
